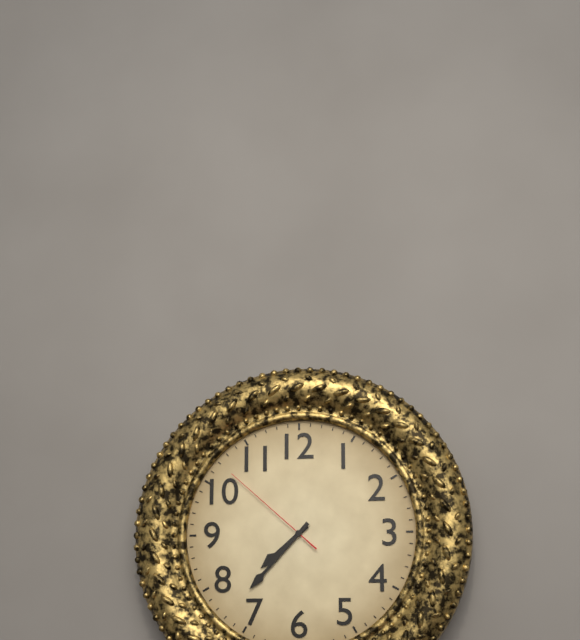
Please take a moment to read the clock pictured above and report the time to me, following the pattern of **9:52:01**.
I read **7:37:52**
